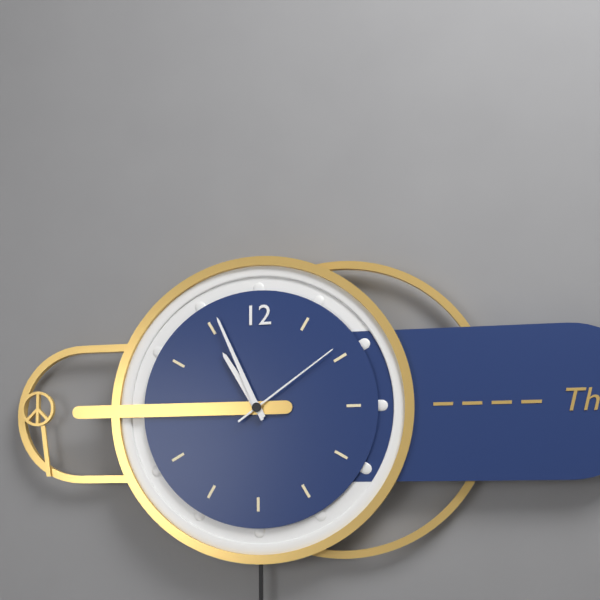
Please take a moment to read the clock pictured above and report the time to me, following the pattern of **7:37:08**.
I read **10:56:09**
